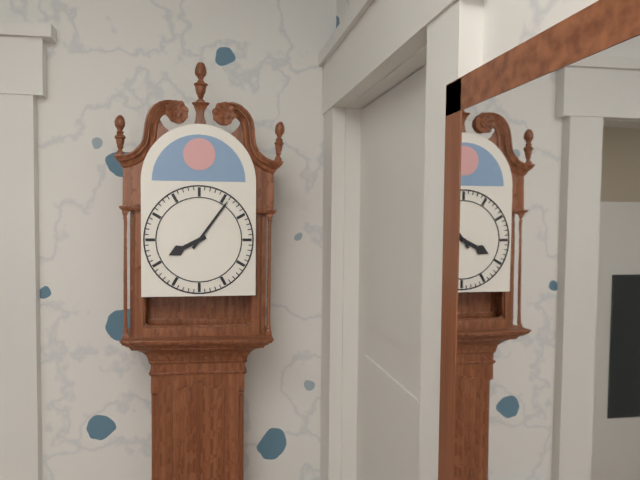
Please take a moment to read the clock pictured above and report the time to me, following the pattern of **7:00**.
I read **8:06**
